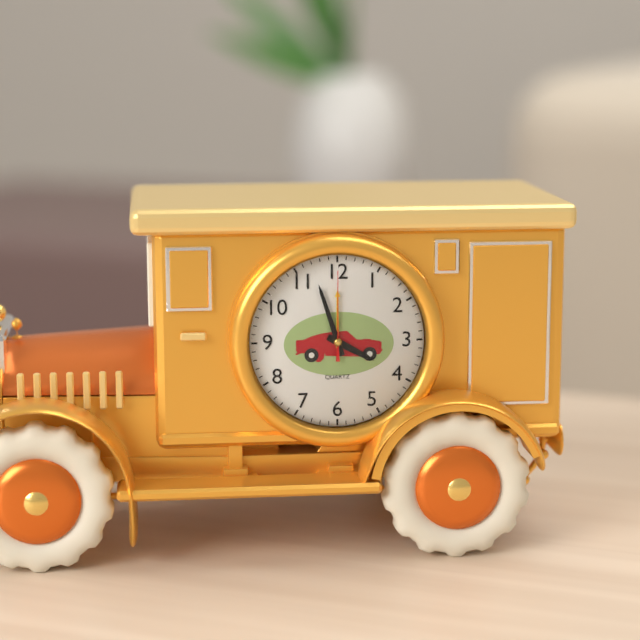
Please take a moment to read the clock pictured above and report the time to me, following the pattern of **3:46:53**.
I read **3:57:00**
